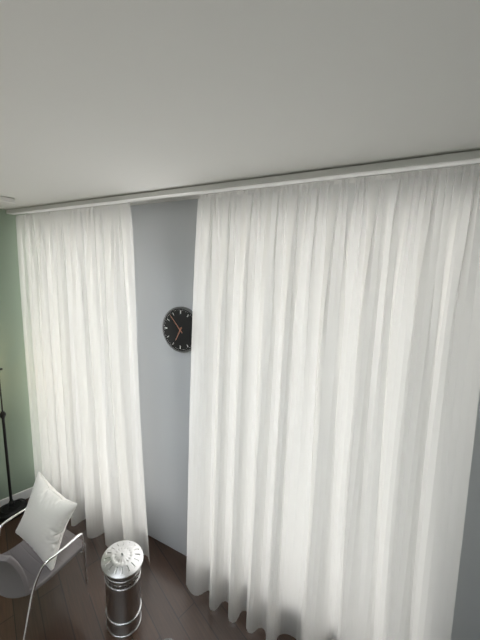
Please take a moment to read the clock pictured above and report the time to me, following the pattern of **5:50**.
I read **6:53**
